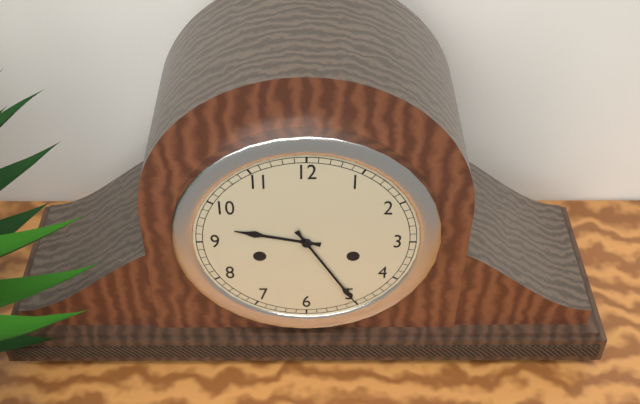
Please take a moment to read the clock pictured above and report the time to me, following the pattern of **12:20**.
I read **9:25**
